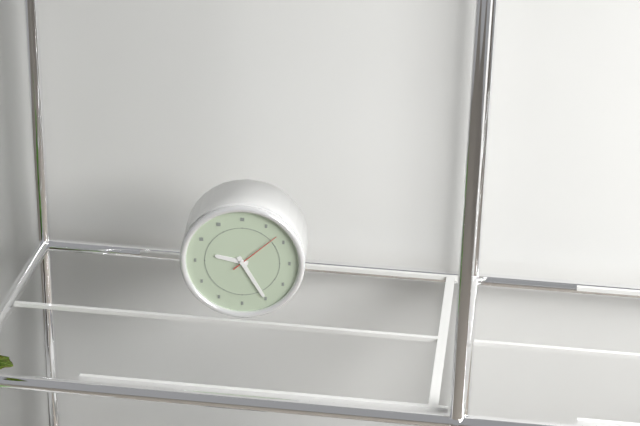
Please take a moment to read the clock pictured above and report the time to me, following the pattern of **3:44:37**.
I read **9:25:08**
